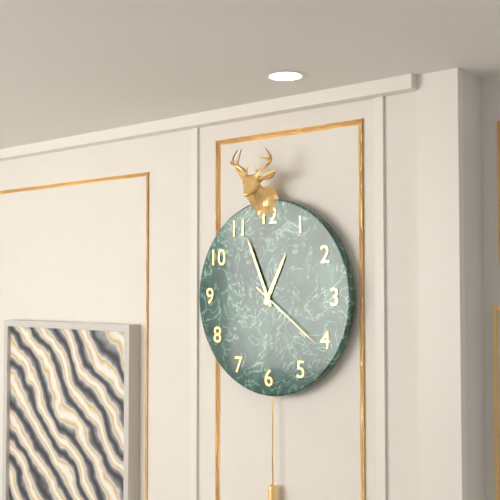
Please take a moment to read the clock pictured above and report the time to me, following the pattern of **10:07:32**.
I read **12:56:21**
